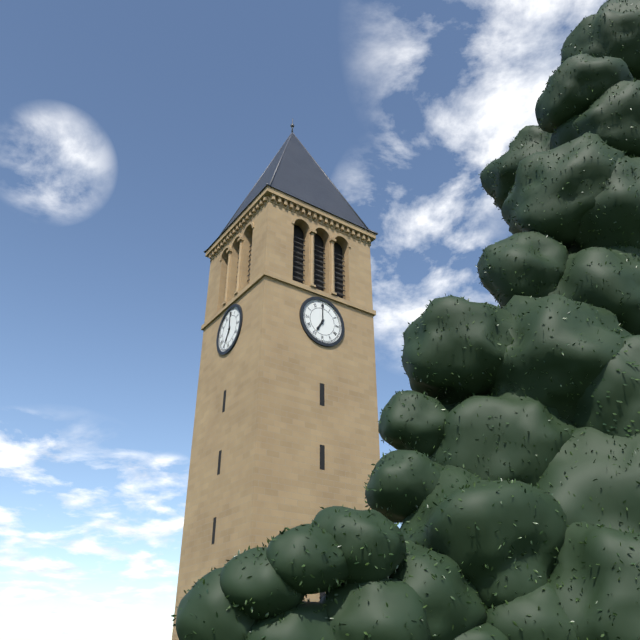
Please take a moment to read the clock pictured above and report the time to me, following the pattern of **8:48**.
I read **7:00**
